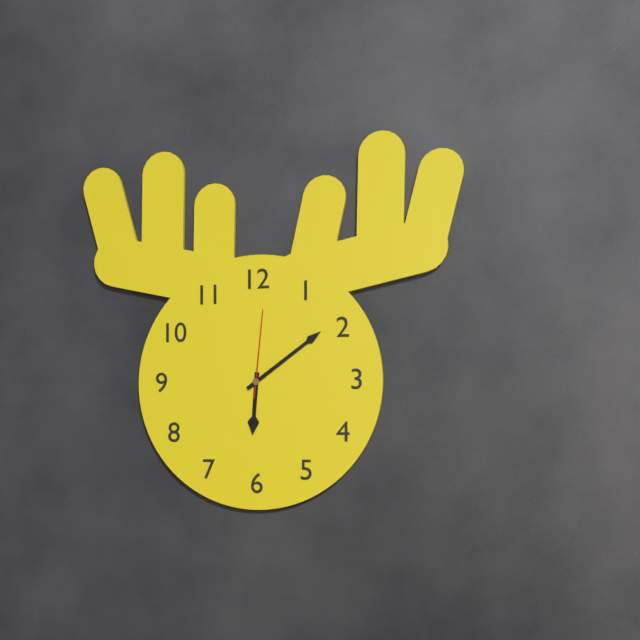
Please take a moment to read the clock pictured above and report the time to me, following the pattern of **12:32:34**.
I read **6:09:01**
